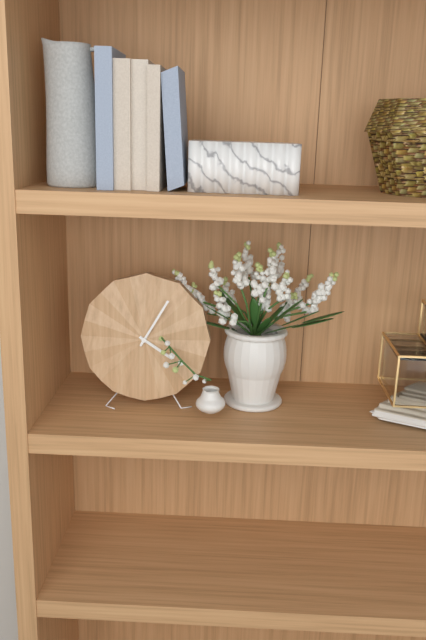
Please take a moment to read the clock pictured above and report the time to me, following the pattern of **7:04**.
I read **4:05**
